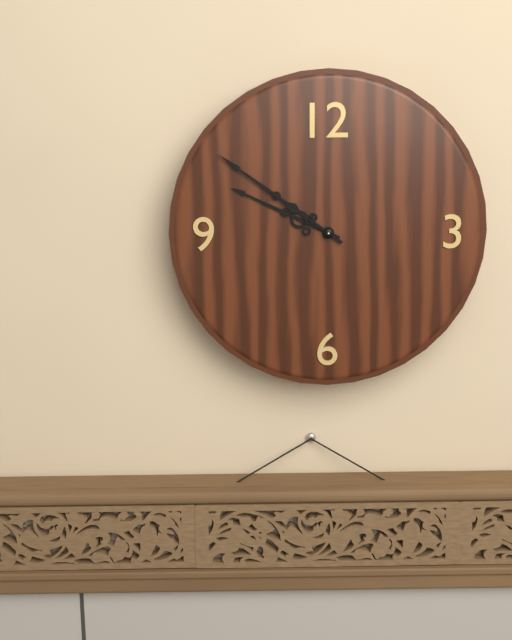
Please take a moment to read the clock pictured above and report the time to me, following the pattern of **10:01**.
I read **9:51**
